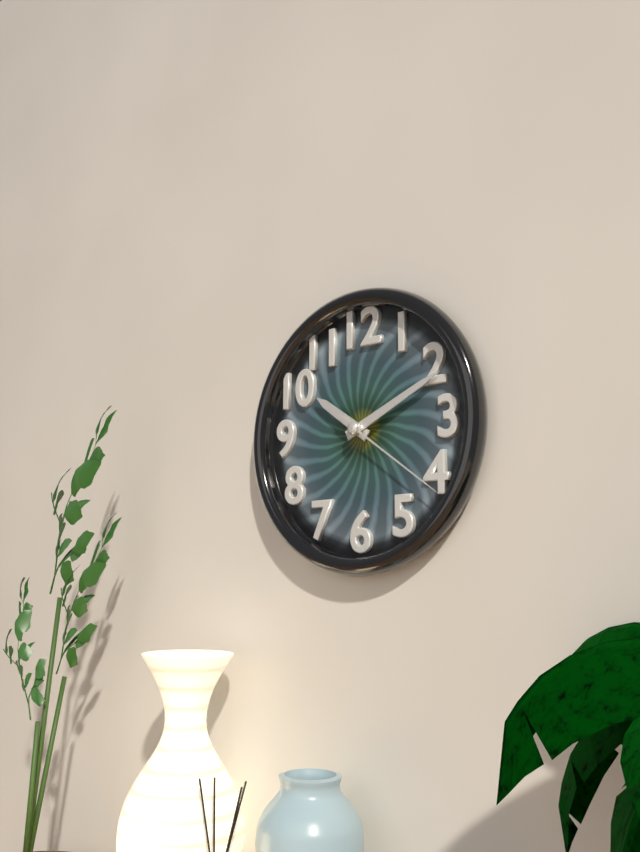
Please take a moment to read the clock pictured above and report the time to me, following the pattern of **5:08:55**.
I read **10:11:21**
